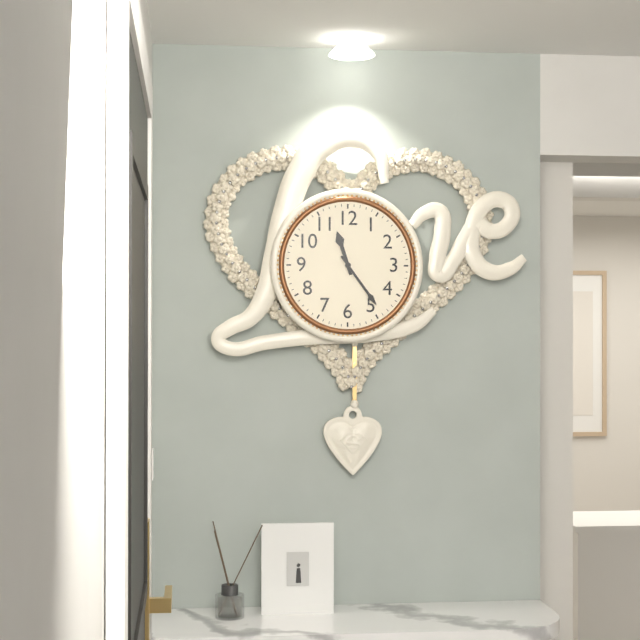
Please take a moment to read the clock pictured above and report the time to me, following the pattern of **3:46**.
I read **11:24**
